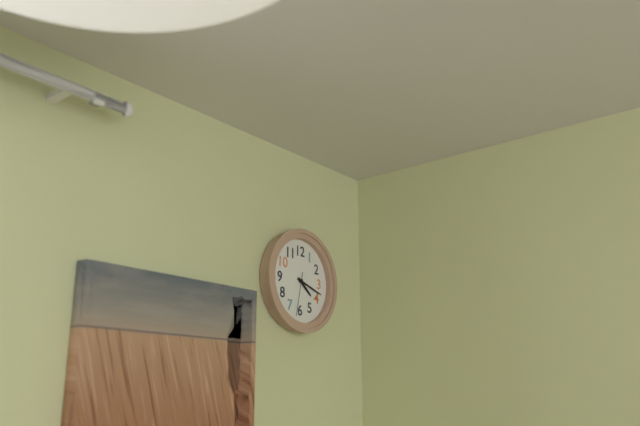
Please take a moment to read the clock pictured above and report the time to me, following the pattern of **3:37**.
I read **4:18**
